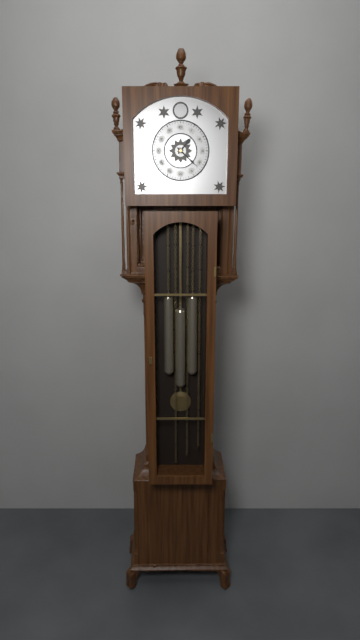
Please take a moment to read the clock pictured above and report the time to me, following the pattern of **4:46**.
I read **1:22**
